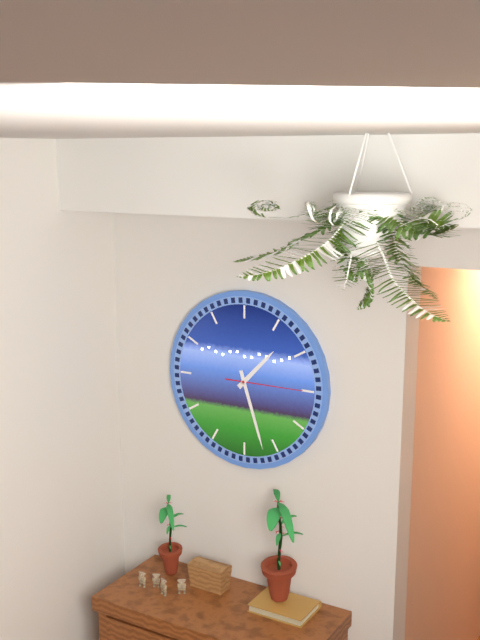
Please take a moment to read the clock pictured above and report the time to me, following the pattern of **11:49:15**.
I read **1:27:15**
